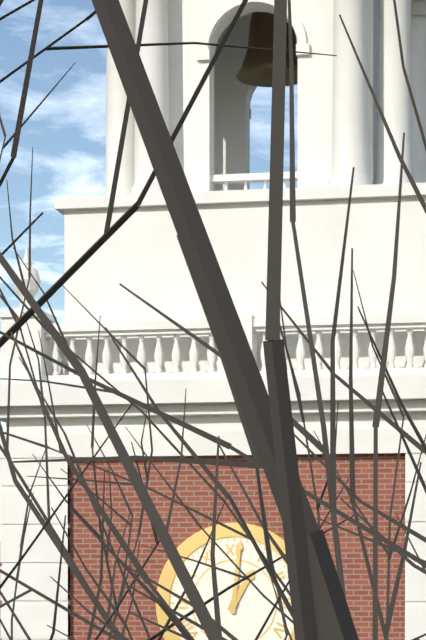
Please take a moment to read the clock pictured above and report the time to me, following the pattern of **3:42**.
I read **1:01**
